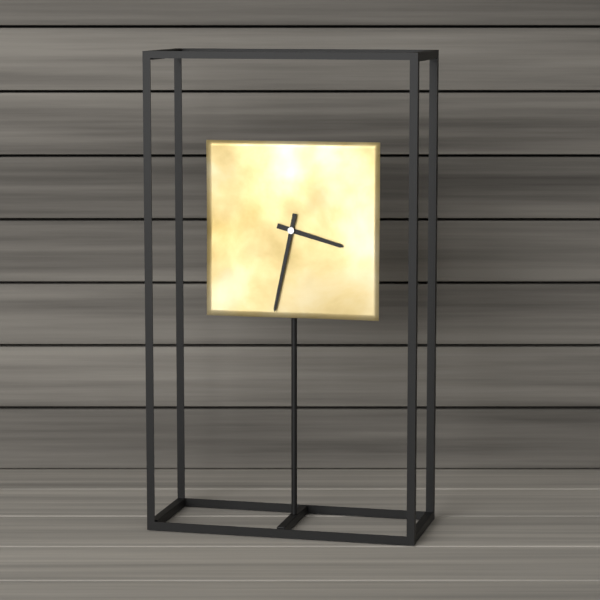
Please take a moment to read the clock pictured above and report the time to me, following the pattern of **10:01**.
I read **3:32**
